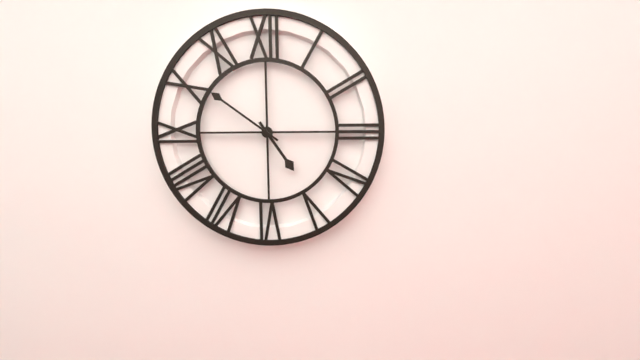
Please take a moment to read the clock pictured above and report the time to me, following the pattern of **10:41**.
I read **4:51**
